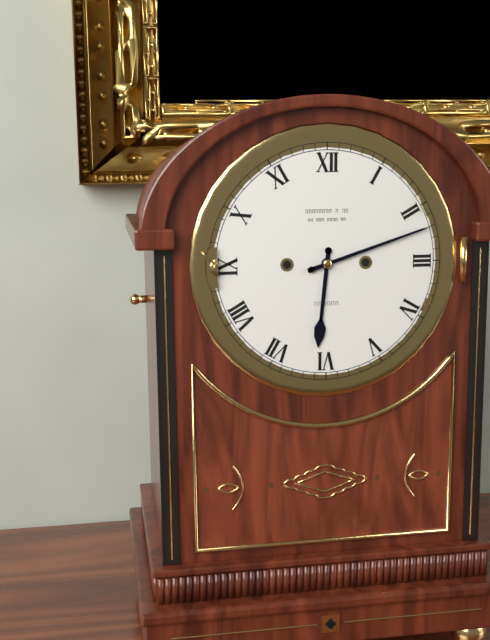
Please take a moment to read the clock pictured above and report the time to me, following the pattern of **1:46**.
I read **6:12**
